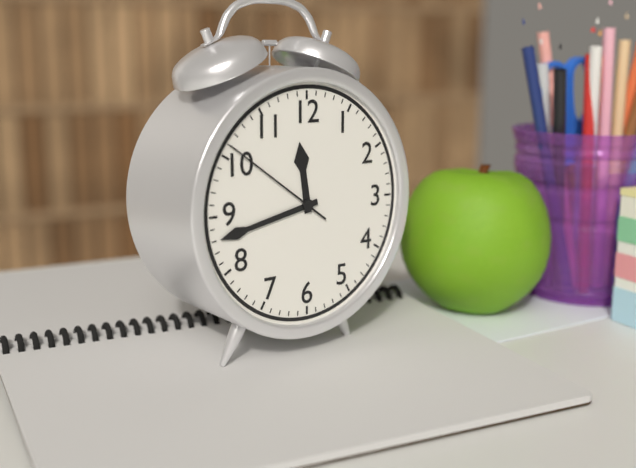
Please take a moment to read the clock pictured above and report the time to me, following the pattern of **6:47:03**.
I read **11:43:51**
